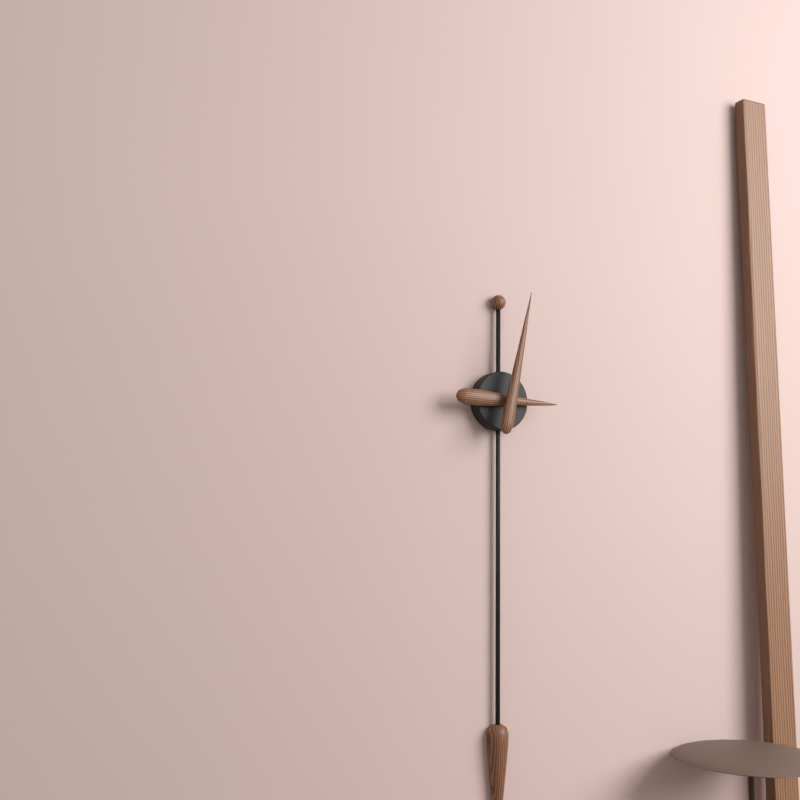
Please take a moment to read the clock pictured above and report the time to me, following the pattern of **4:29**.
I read **3:02**
